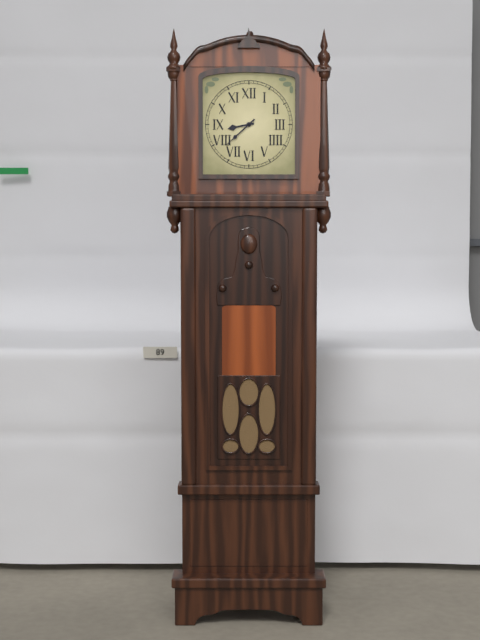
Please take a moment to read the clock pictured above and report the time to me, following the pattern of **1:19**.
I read **8:38**
